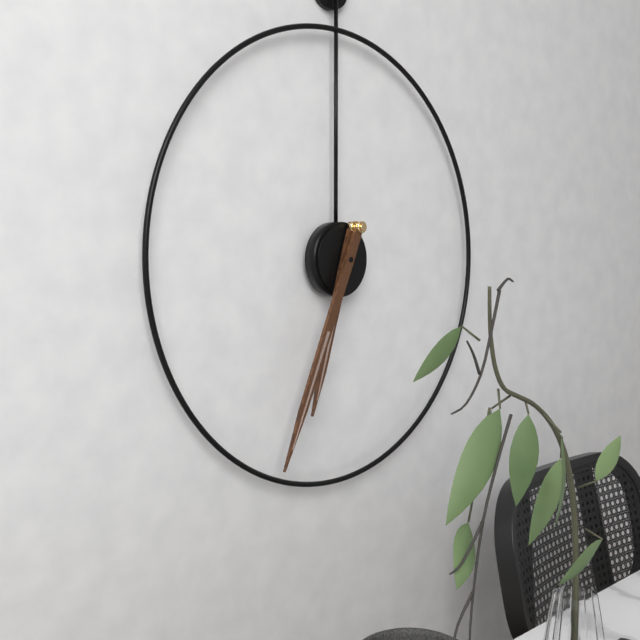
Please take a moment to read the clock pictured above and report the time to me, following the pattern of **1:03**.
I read **6:34**
